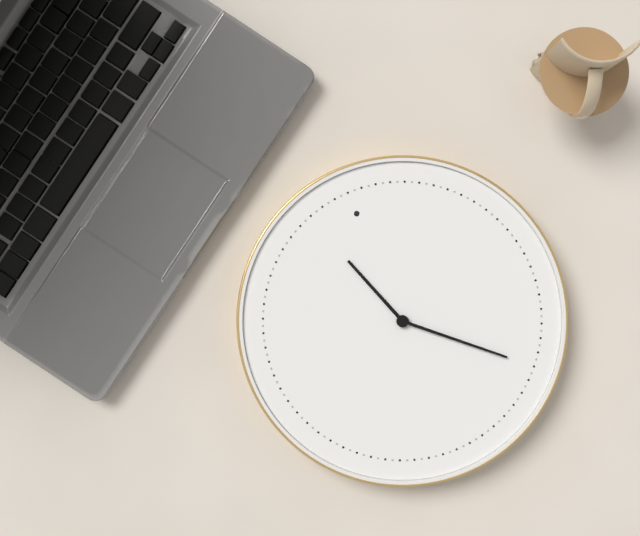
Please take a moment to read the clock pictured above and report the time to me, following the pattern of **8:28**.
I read **11:22**
